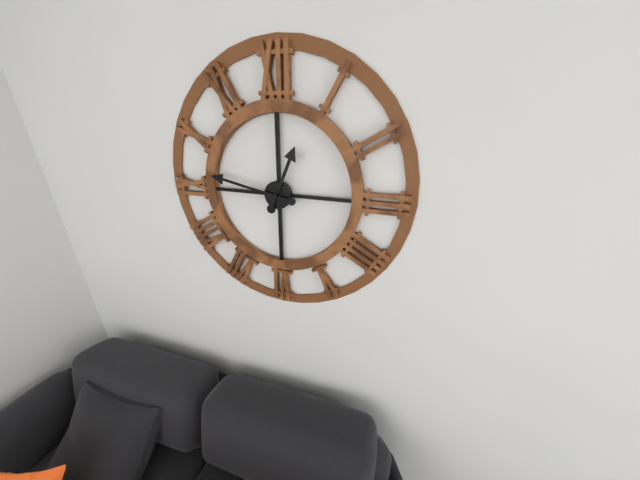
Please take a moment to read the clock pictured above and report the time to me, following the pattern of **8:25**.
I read **12:47**
